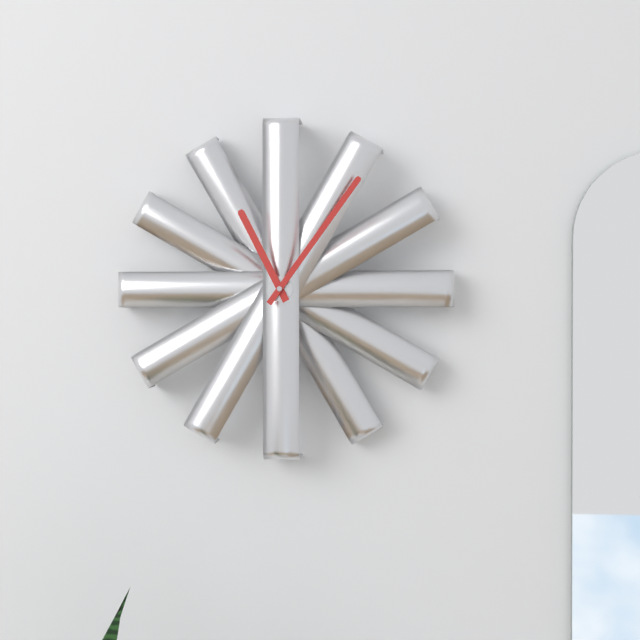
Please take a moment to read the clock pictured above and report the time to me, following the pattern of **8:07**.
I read **11:06**
